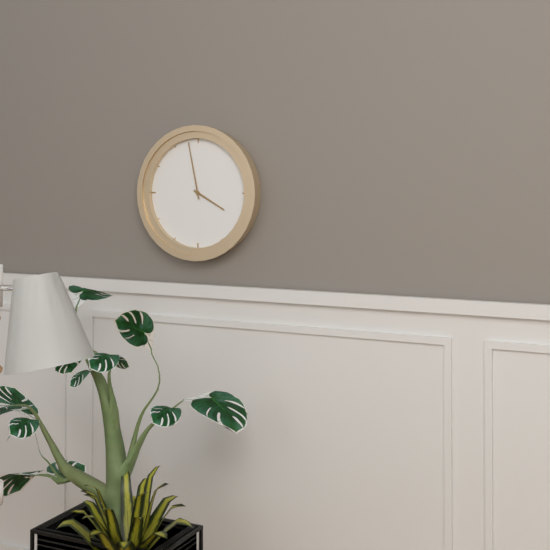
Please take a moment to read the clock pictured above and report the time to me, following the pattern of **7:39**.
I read **3:58**
